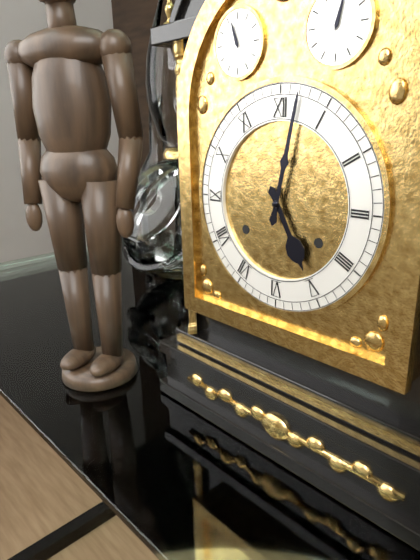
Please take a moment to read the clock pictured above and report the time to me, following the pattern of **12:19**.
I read **5:02**
